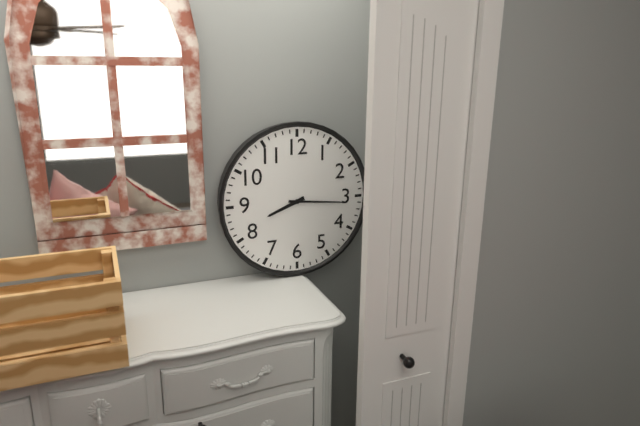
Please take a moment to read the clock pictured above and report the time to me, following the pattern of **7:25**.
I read **8:16**
